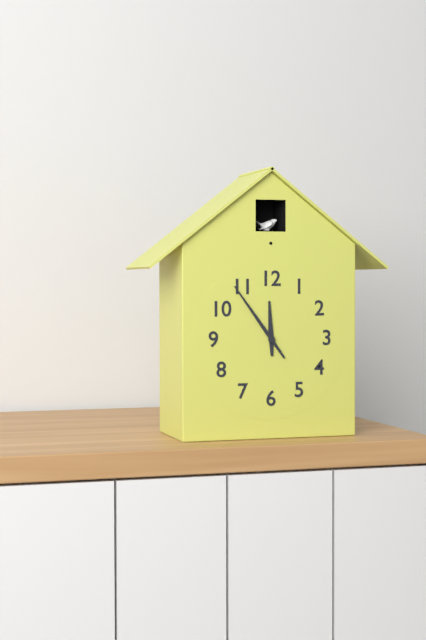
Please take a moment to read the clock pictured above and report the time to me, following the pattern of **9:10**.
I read **11:54**
